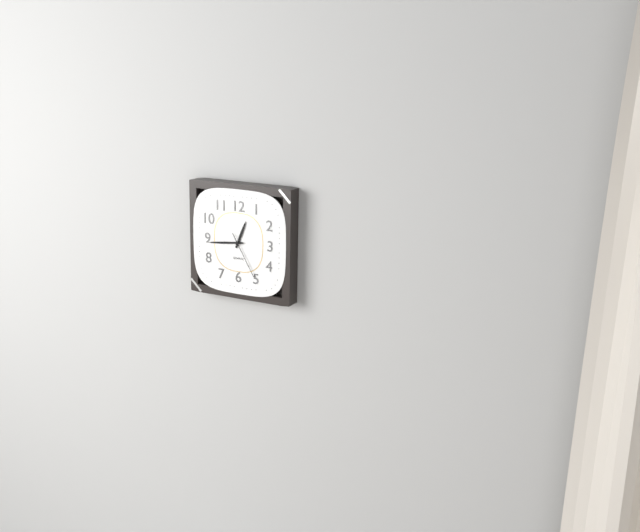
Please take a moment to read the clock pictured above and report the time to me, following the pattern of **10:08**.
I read **12:44**
